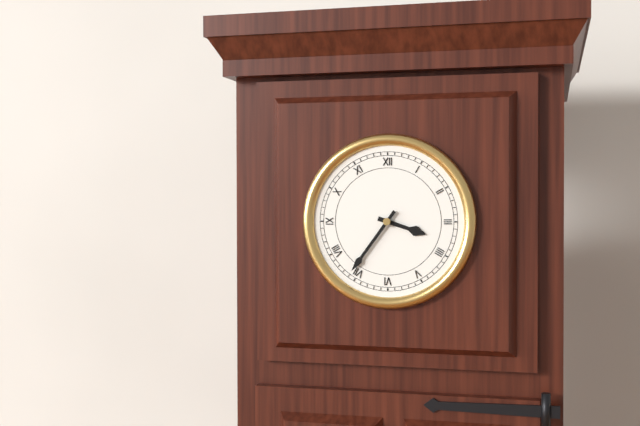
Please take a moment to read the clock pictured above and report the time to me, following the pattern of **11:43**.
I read **3:36**
